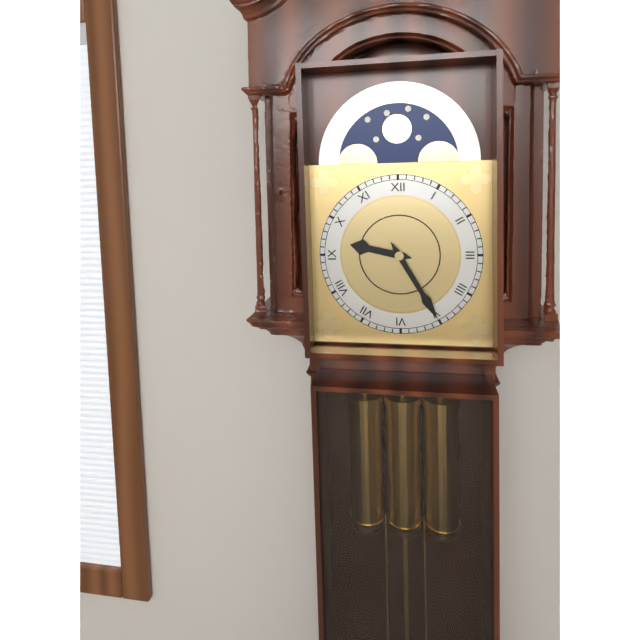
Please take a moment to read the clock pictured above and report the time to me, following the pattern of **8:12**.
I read **9:25**
